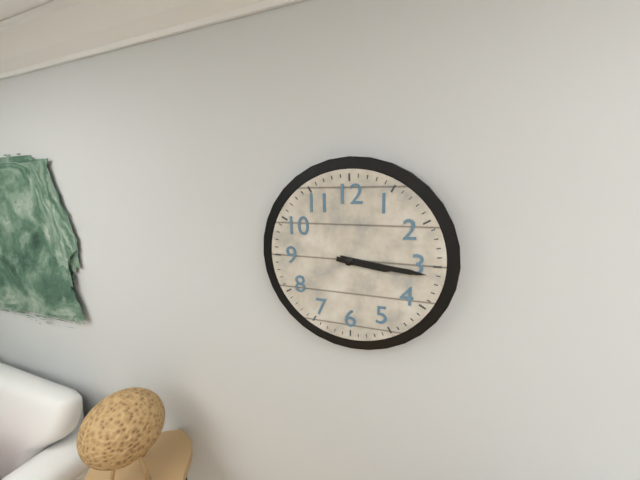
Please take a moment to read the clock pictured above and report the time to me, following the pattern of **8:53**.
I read **3:16**
